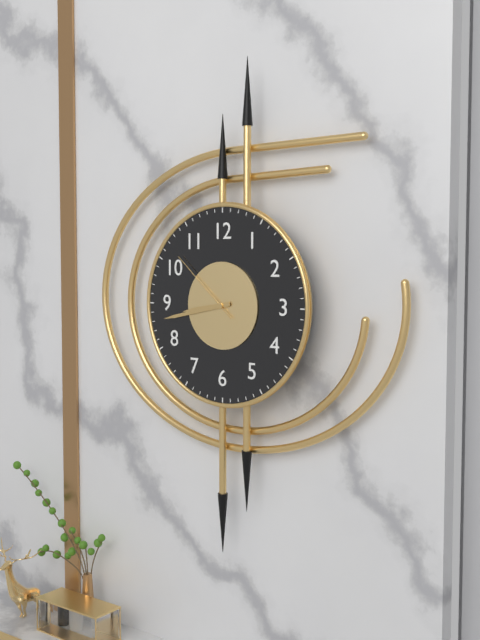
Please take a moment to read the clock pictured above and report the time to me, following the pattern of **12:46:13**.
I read **8:43:52**
